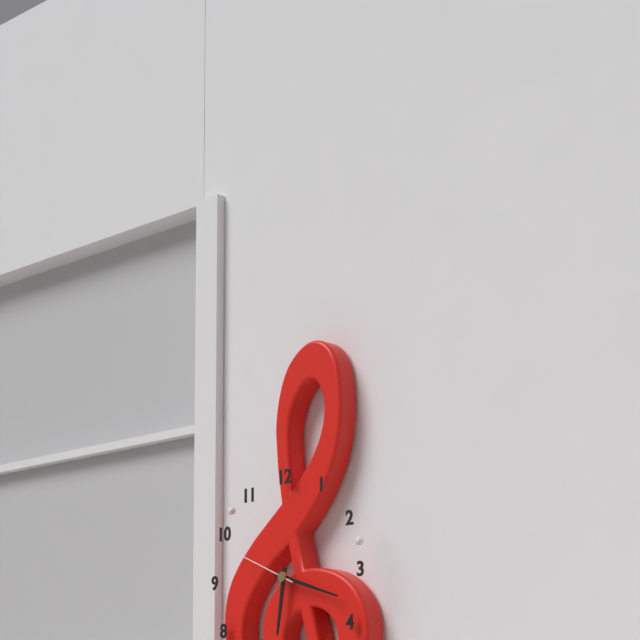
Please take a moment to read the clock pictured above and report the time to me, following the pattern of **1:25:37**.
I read **6:18:49**
